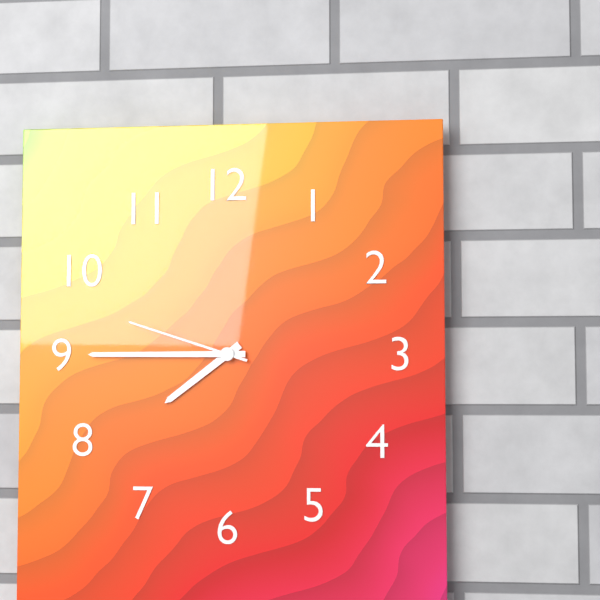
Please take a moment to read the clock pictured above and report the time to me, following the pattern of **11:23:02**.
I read **7:45:48**
